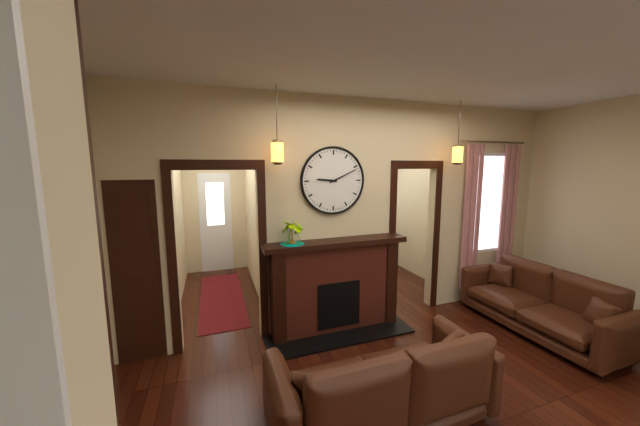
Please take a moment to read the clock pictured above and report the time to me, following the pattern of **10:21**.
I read **9:11**
